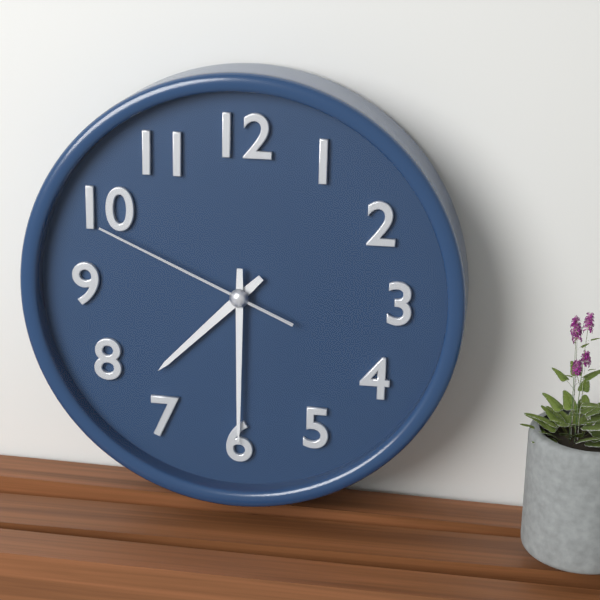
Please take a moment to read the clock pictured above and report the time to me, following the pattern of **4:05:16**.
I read **7:30:49**
